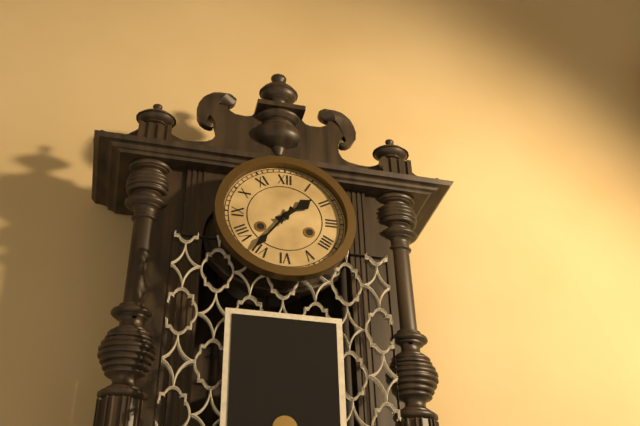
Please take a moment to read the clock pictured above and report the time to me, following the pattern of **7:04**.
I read **1:36**
